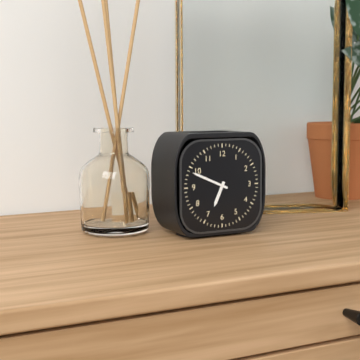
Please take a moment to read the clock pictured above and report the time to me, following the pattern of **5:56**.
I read **6:49**
